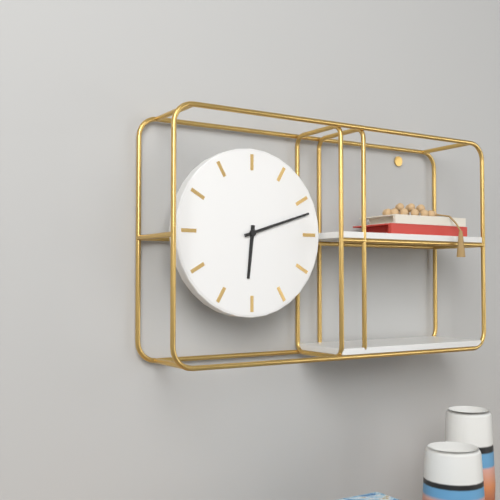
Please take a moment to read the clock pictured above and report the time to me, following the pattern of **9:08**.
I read **6:12**
